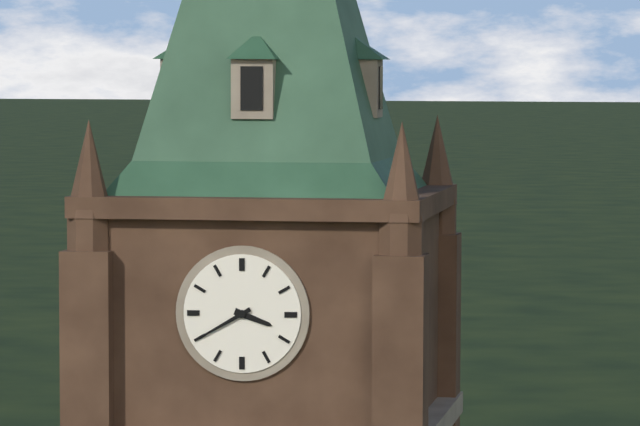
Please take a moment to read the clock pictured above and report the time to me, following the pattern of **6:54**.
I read **3:40**
